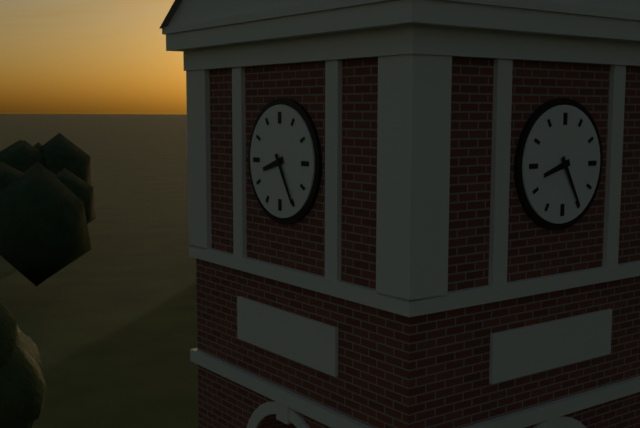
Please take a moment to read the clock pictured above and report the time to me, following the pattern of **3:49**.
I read **8:25**
